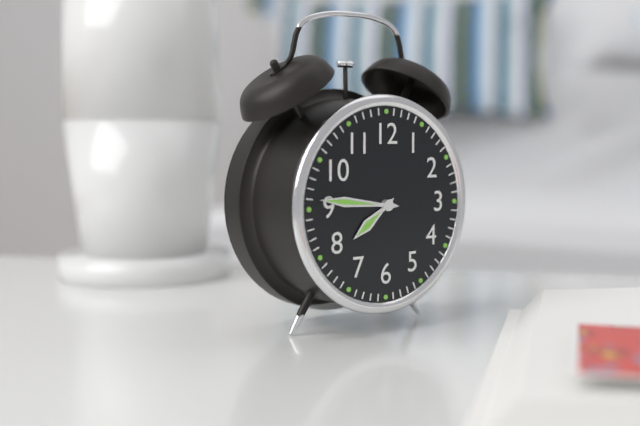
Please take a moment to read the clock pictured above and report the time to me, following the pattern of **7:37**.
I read **7:46**
